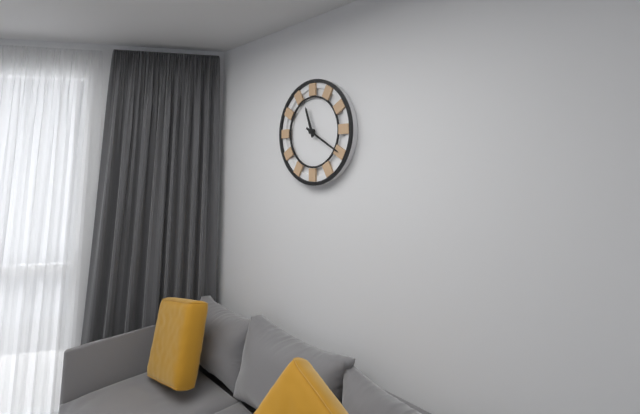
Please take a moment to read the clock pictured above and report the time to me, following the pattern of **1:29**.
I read **11:20**
